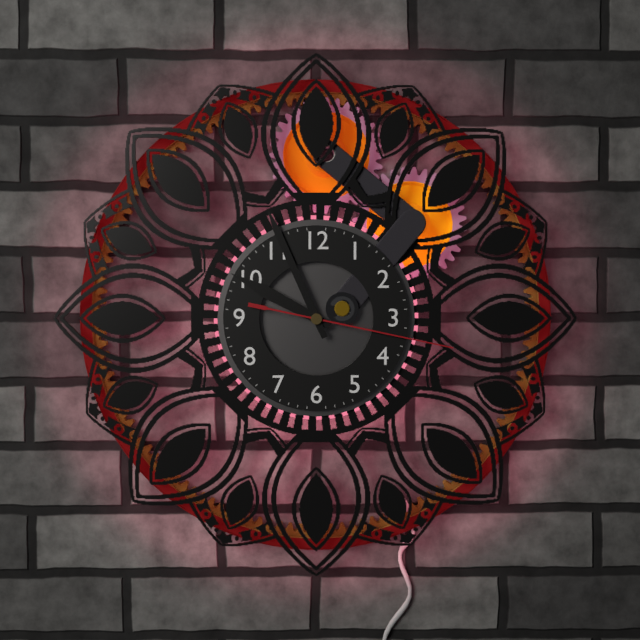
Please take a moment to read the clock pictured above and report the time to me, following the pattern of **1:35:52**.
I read **9:56:17**
